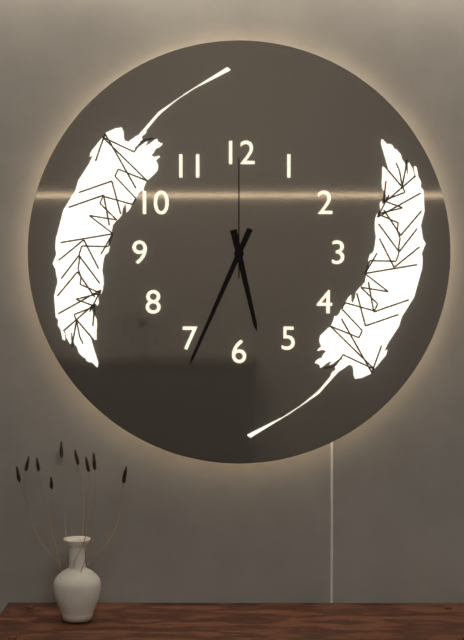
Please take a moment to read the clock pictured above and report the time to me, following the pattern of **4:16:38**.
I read **5:34:00**
